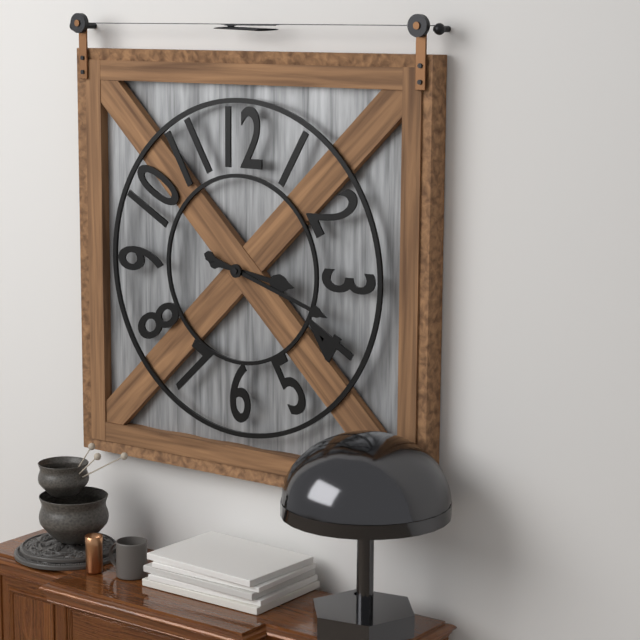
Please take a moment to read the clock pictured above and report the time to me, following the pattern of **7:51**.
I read **3:18**
